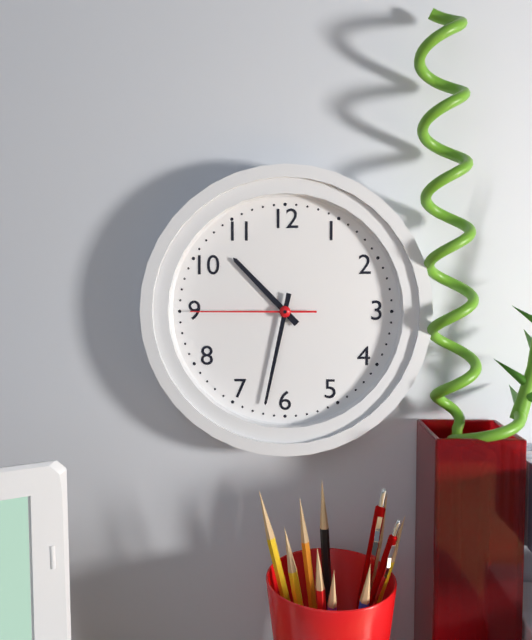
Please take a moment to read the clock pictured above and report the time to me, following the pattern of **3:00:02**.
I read **10:32:45**
